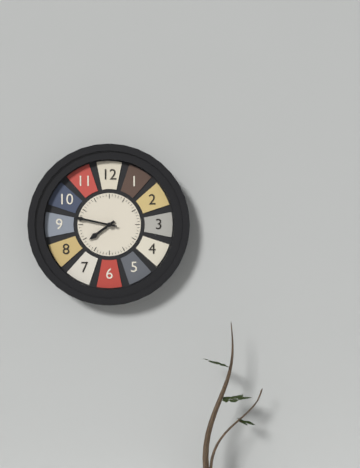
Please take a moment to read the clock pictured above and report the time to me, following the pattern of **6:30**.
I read **7:47**
